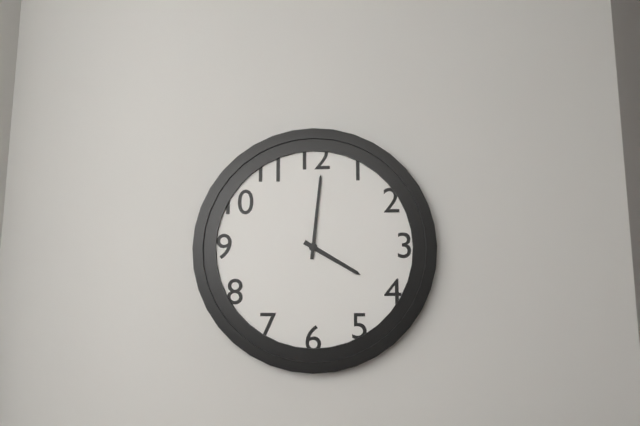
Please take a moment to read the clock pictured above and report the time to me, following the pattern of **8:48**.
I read **4:01**
